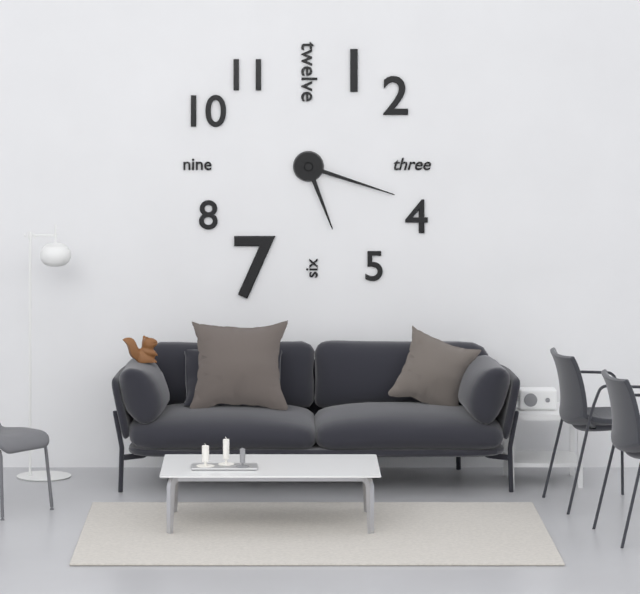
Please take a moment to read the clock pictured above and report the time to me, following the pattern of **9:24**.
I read **5:18**
